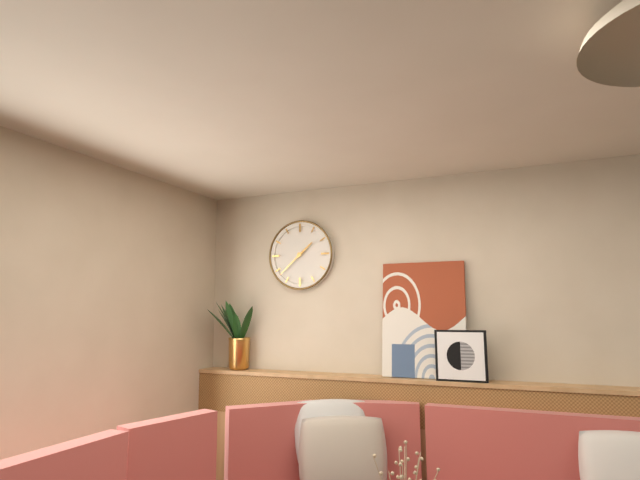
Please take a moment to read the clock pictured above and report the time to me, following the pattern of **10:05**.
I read **1:38**
